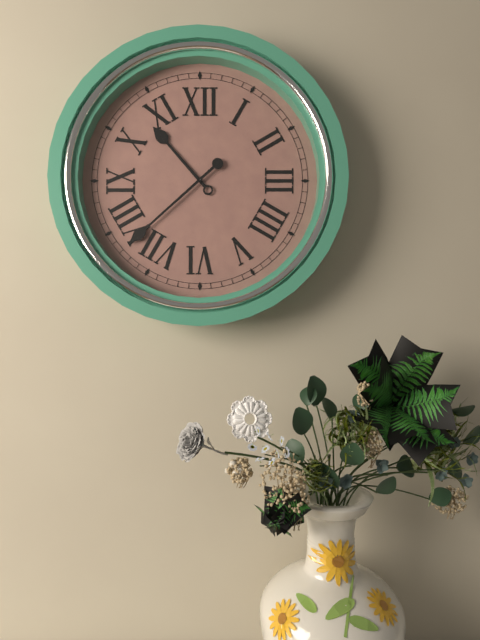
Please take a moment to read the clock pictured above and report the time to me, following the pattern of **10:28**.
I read **10:38**
